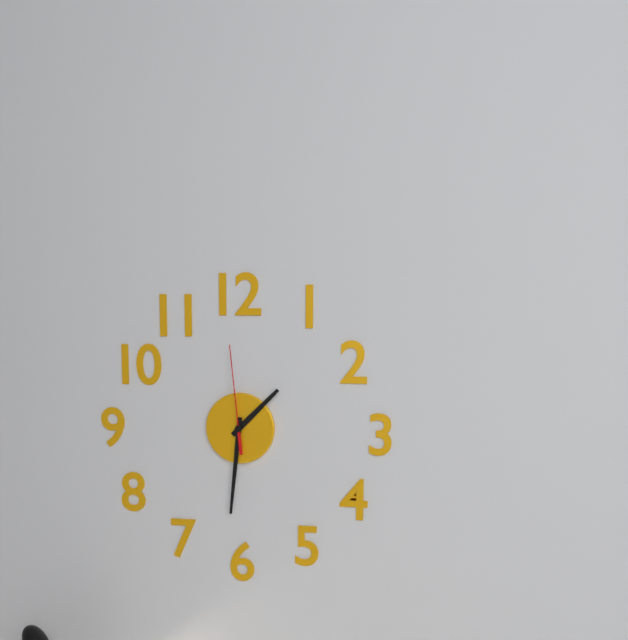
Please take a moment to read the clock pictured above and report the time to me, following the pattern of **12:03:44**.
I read **1:31:59**
